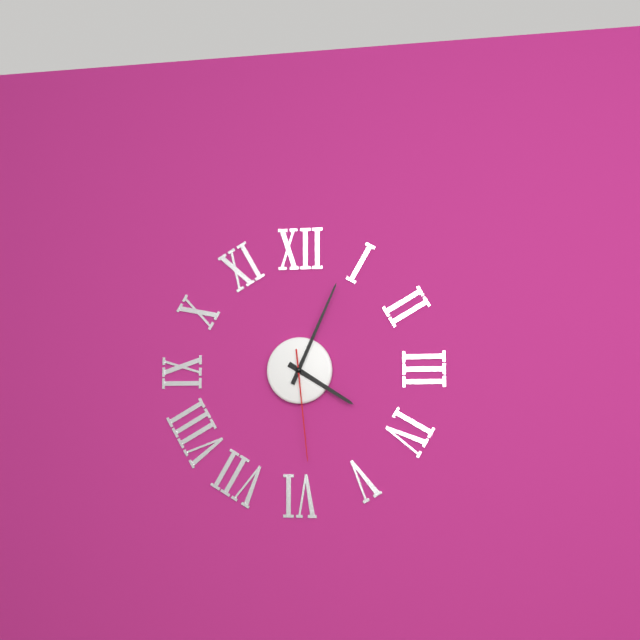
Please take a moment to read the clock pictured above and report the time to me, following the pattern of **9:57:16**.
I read **4:04:29**
